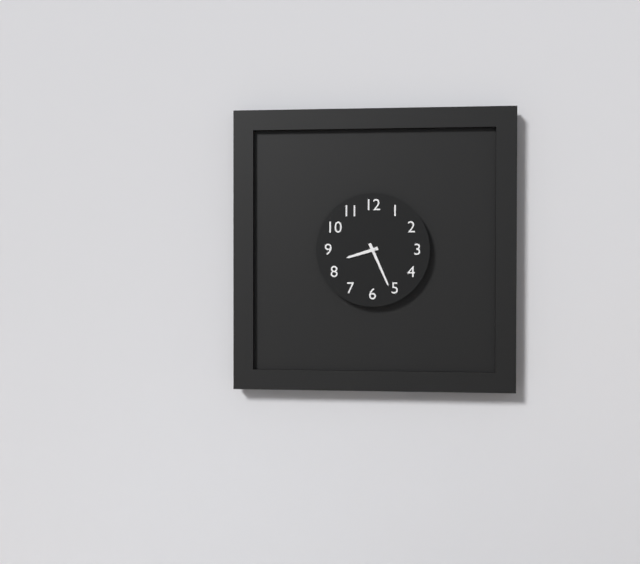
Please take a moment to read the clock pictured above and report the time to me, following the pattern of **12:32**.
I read **8:26**
